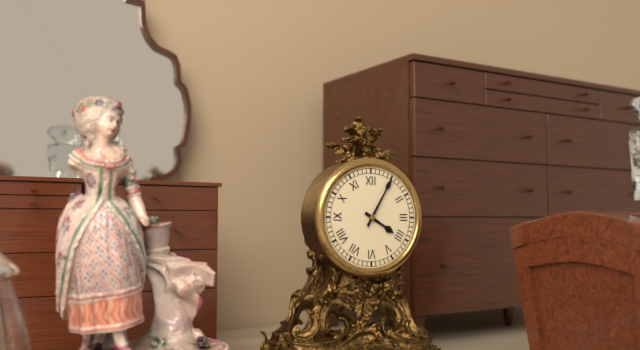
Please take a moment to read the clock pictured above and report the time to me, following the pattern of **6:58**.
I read **4:05**
